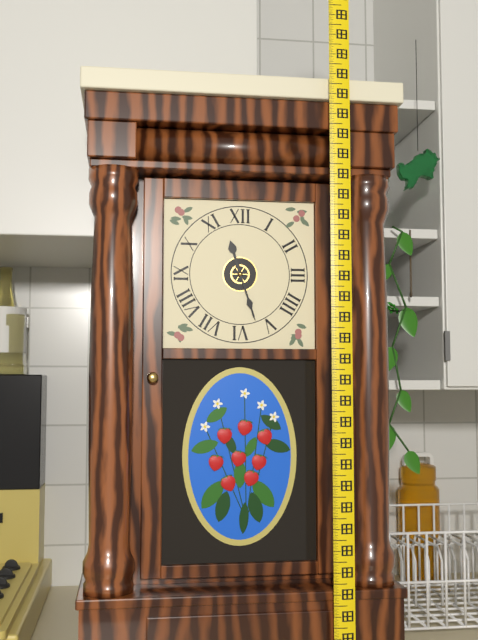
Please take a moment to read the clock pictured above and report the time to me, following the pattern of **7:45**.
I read **11:27**
